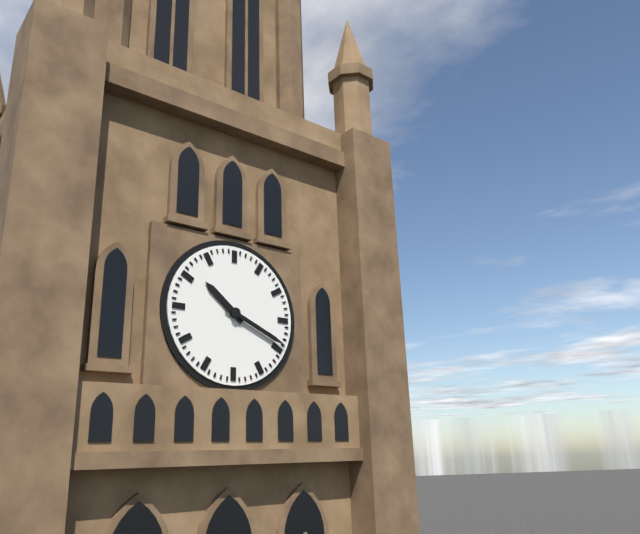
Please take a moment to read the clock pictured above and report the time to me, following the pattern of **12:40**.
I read **10:19**
